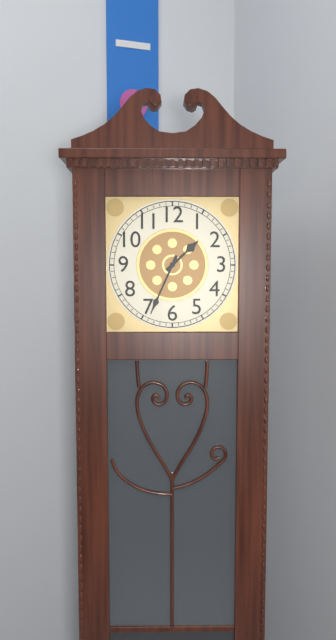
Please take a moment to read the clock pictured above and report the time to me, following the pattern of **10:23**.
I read **1:34**
